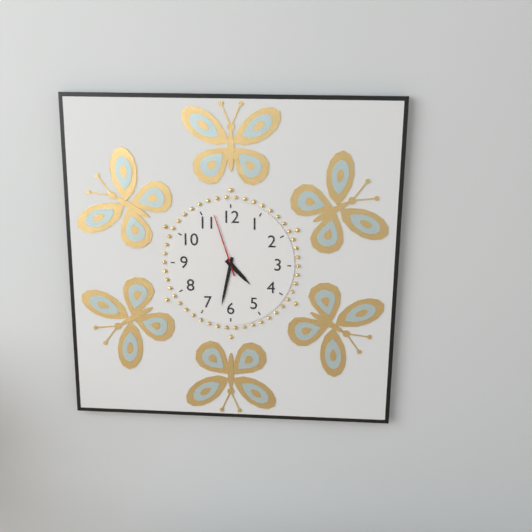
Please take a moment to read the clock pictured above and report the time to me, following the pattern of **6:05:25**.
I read **4:32:57**
